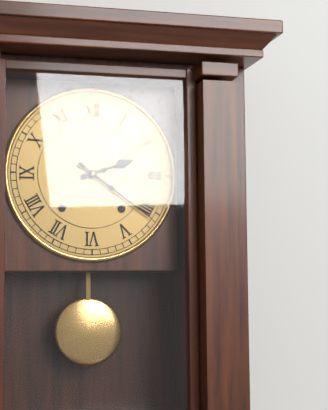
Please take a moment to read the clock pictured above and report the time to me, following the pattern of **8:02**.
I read **2:21**
